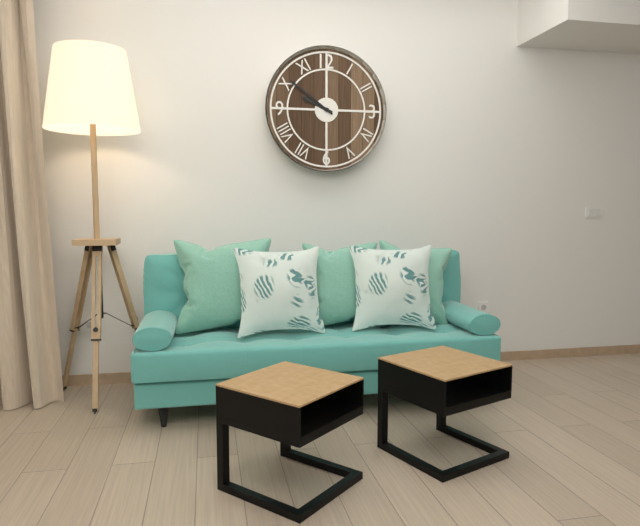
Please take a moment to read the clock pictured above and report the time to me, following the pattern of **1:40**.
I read **9:51**
